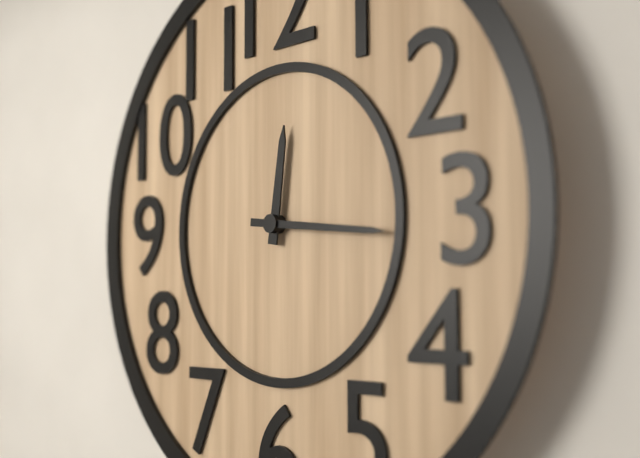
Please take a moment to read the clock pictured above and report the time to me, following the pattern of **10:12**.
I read **12:16**
